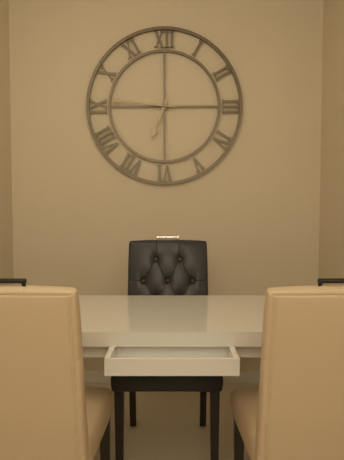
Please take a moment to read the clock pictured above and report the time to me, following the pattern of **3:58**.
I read **6:46**
